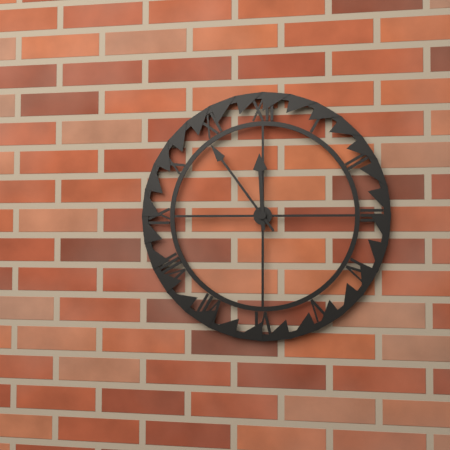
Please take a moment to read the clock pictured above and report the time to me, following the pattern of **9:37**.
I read **11:54**
